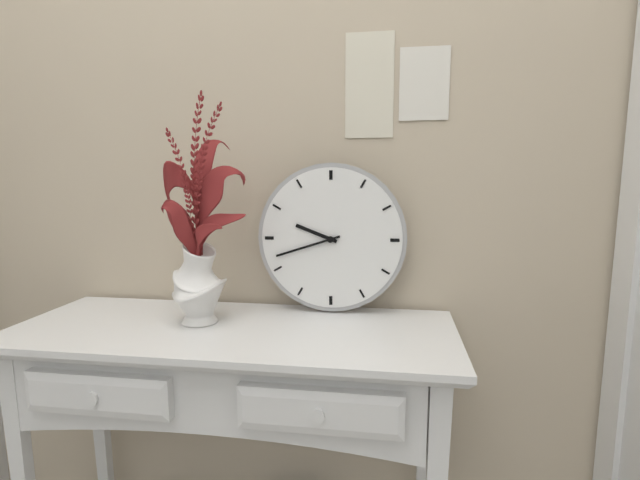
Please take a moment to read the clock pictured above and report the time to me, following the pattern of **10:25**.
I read **9:42**
